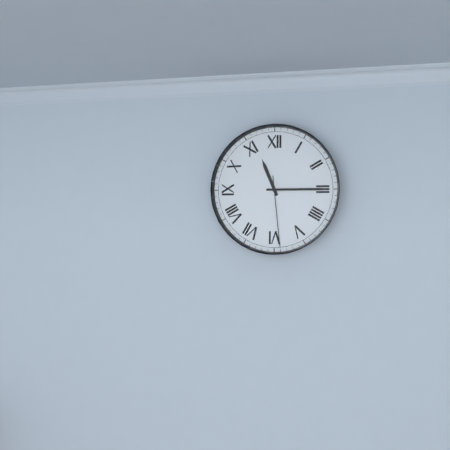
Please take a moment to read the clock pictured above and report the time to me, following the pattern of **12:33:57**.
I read **11:15:29**
